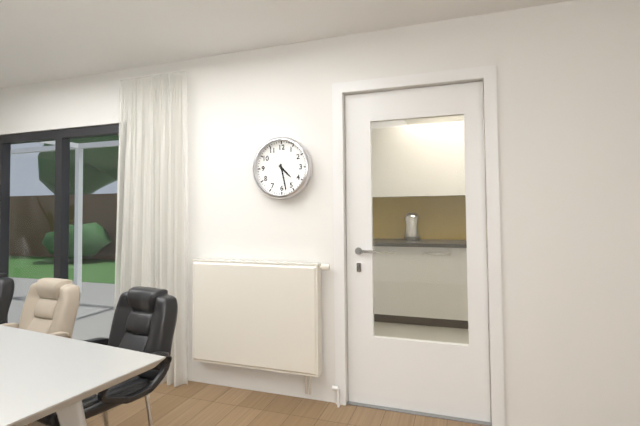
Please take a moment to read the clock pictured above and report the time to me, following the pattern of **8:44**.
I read **4:28**
